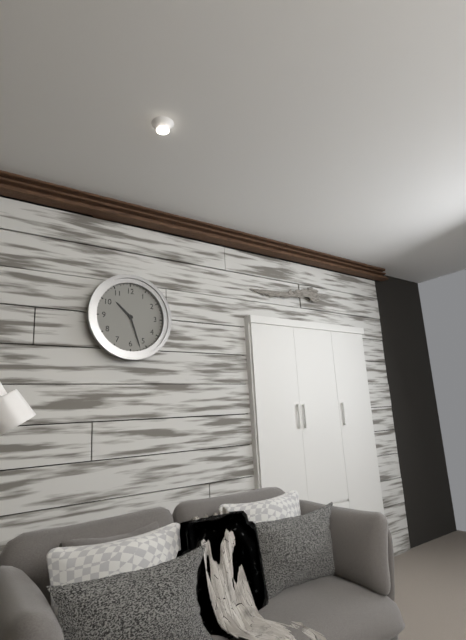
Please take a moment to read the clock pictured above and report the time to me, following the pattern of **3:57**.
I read **10:27**
